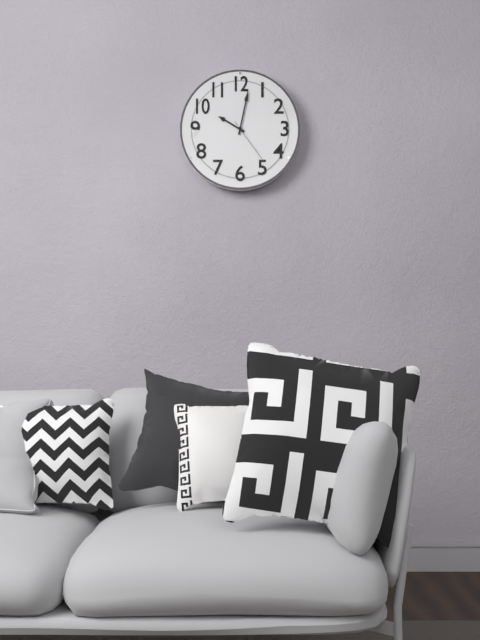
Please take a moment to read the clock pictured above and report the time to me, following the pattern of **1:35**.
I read **10:02**
